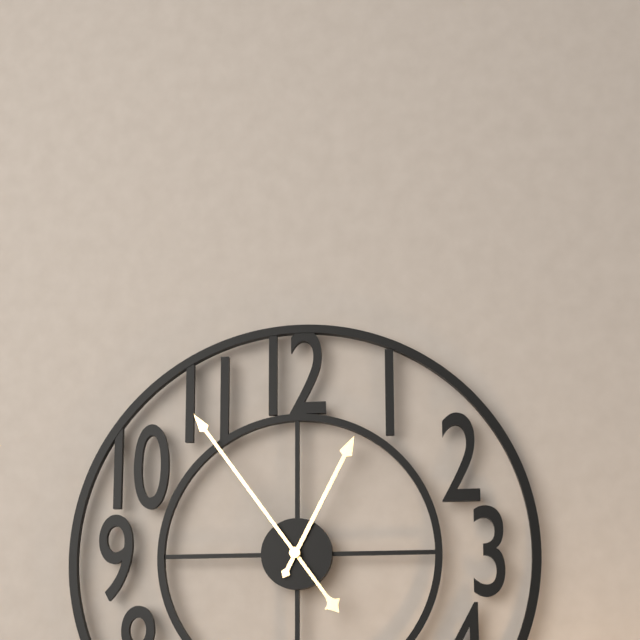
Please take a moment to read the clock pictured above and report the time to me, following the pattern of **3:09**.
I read **12:54**
